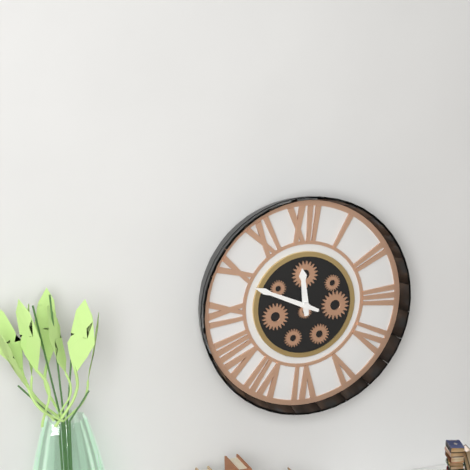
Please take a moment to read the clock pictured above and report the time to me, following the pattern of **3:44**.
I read **11:49**
